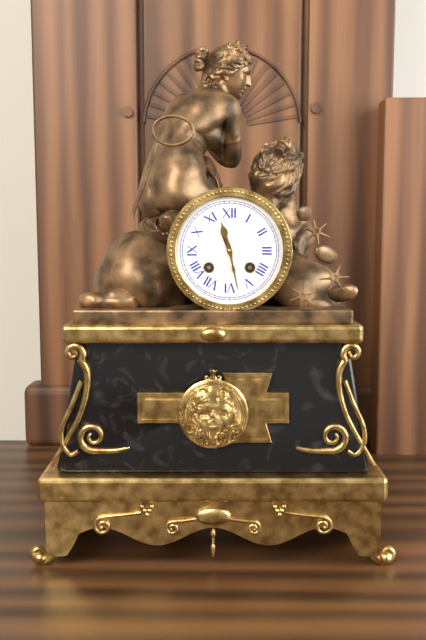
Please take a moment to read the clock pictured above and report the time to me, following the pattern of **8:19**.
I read **11:28**
